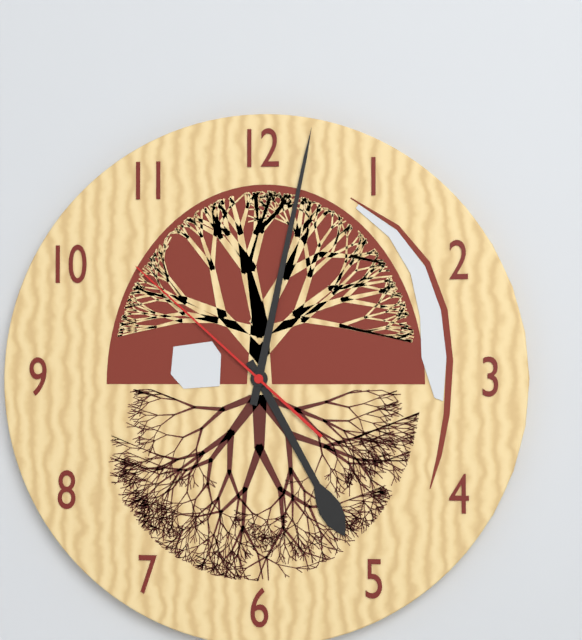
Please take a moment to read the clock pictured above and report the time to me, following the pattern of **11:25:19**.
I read **5:02:52**
